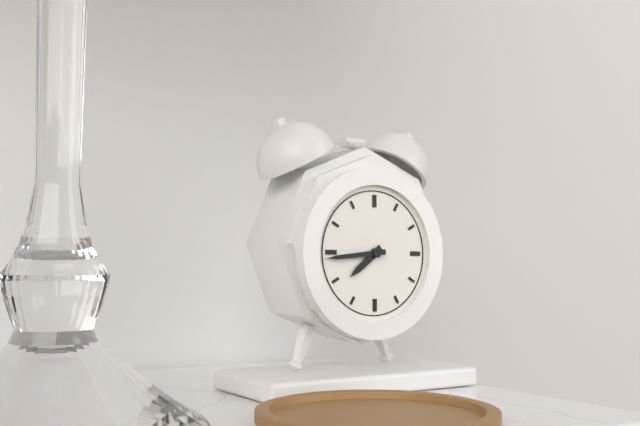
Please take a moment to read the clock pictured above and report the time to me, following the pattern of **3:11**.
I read **7:44**
